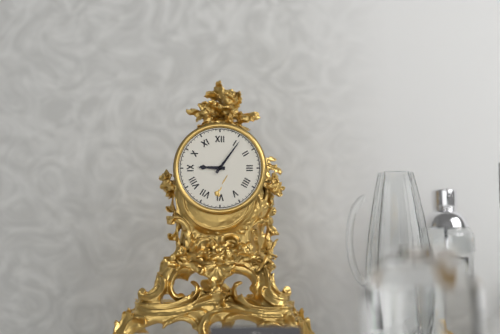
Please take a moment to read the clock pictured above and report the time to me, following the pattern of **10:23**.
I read **9:06**
